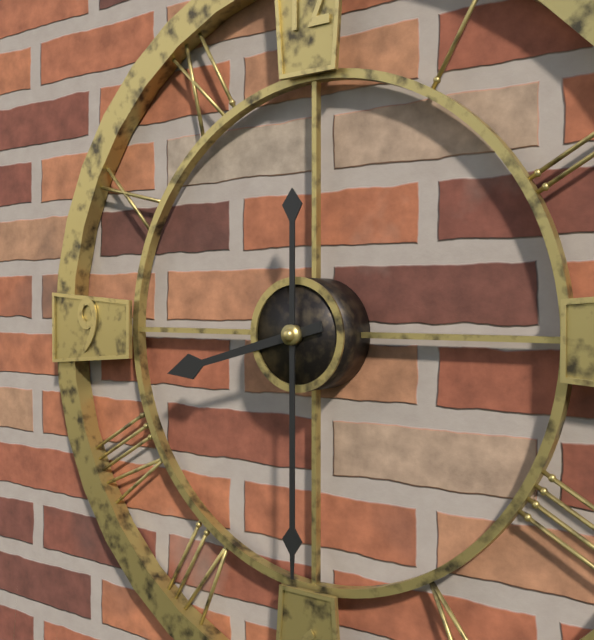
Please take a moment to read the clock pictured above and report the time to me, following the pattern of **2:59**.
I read **8:30**
